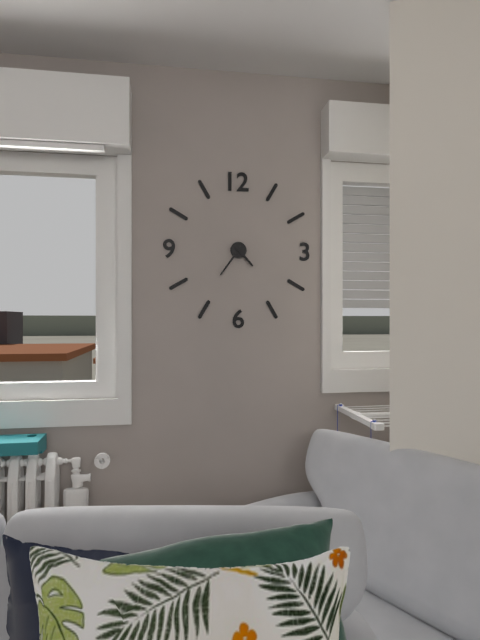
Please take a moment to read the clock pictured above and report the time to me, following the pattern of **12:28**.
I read **4:36**
